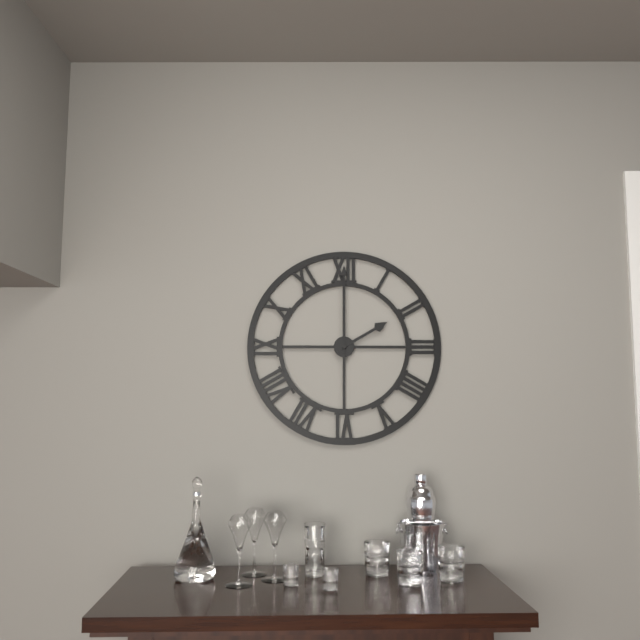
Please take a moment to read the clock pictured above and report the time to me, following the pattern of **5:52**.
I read **2:00**
